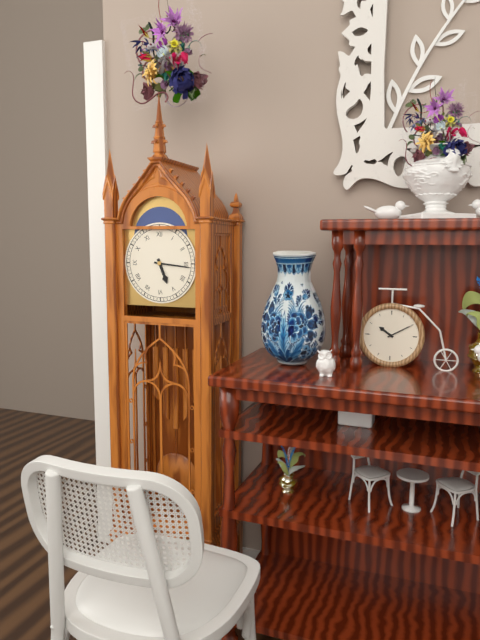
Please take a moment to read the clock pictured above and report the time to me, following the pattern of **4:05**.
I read **5:16**
